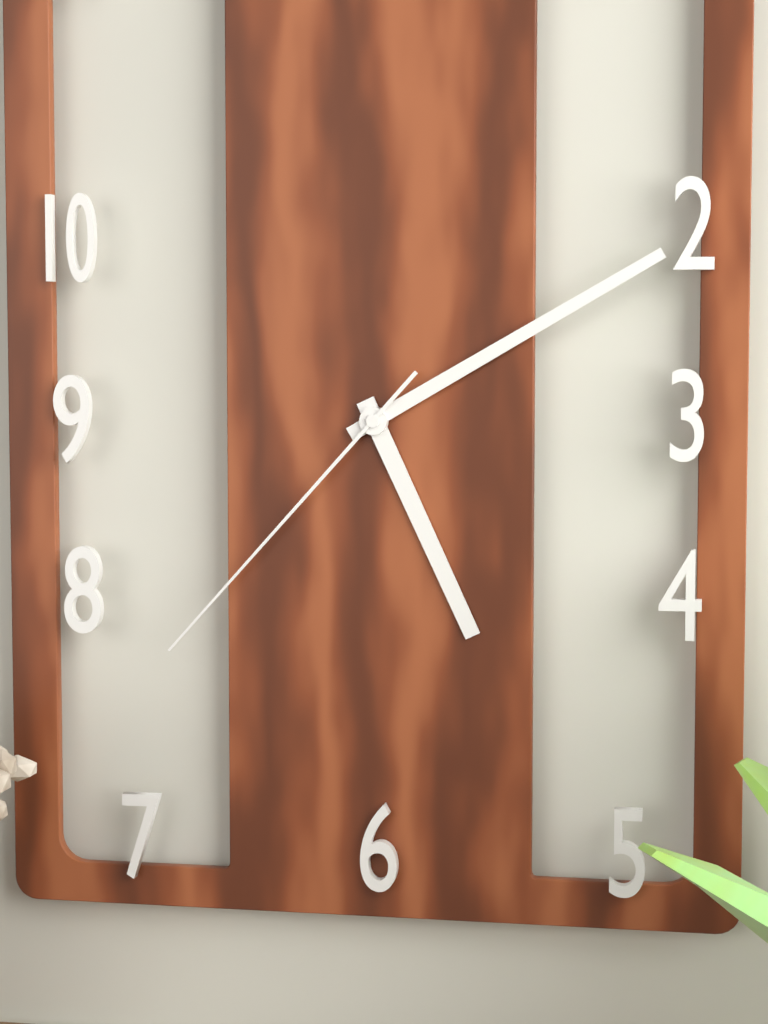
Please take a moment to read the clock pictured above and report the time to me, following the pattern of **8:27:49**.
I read **5:10:37**
